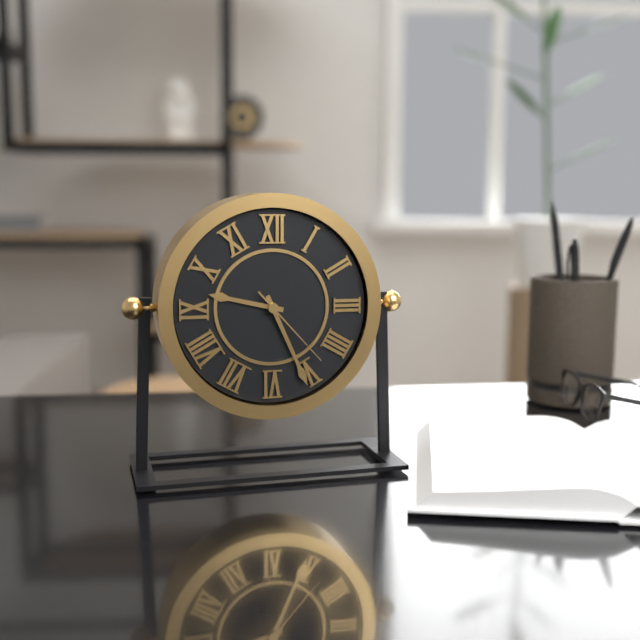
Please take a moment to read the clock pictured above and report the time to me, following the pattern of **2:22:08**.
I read **9:26:23**
